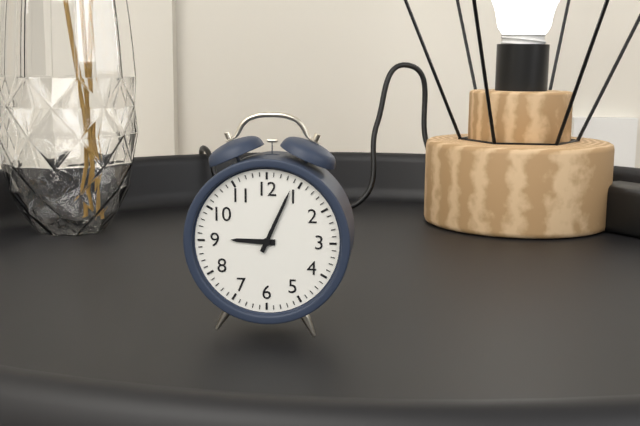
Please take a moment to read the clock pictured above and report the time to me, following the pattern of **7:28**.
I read **9:04**
